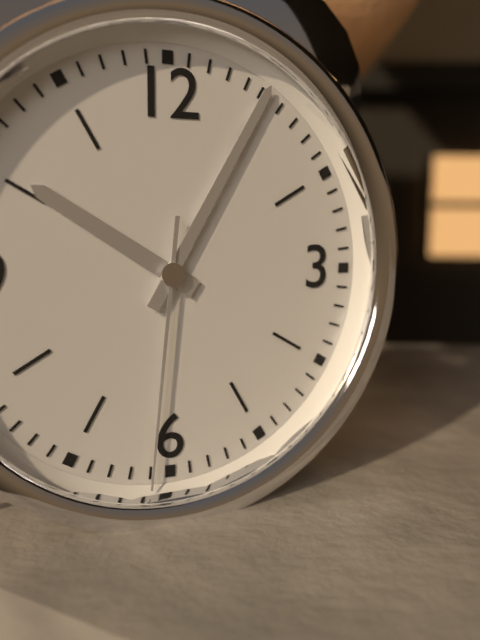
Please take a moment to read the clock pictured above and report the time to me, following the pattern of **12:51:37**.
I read **10:05:31**
